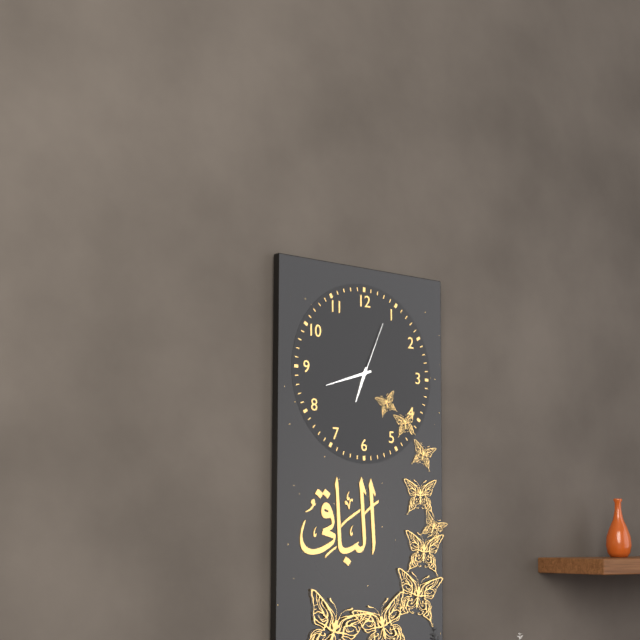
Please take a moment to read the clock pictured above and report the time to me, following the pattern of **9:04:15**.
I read **6:42:04**
